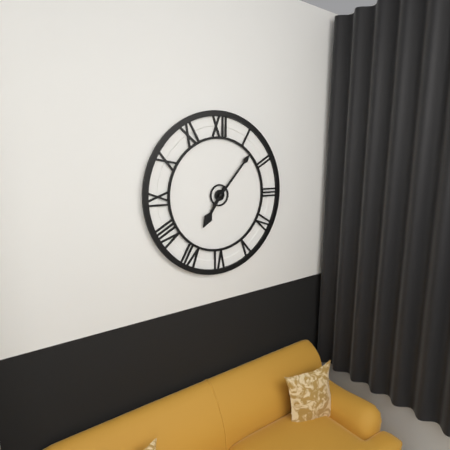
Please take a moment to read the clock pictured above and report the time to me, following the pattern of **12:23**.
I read **7:07**
